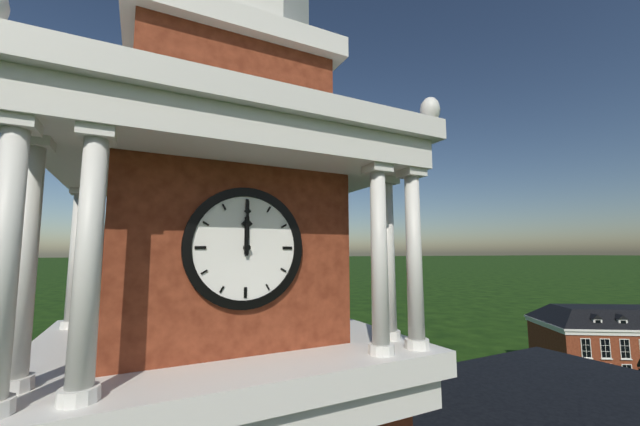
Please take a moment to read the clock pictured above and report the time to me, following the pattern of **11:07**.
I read **12:00**
